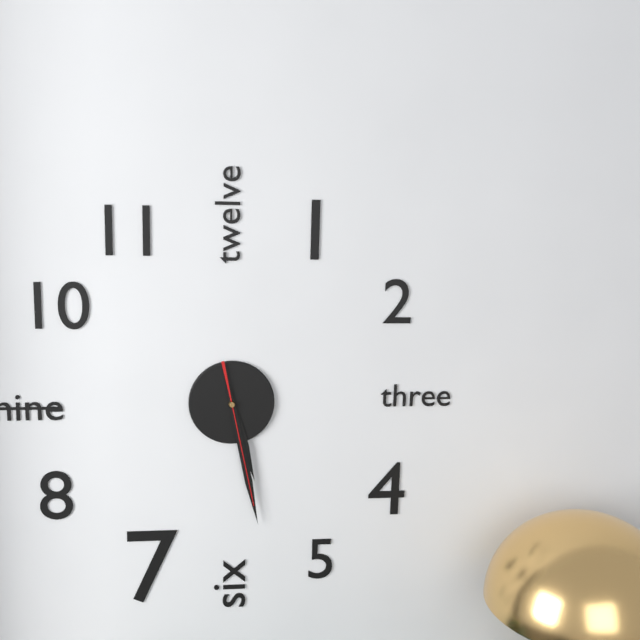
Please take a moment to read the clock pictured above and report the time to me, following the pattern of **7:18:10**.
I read **5:28:28**
